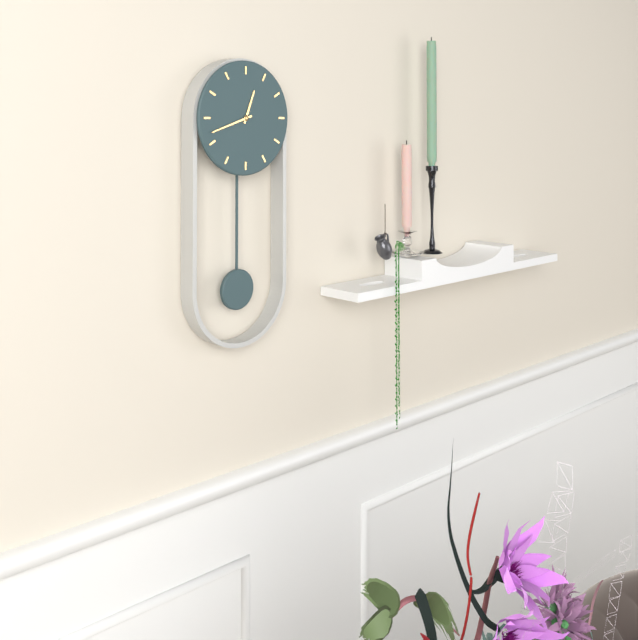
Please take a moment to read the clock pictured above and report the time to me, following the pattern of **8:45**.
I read **12:42**
